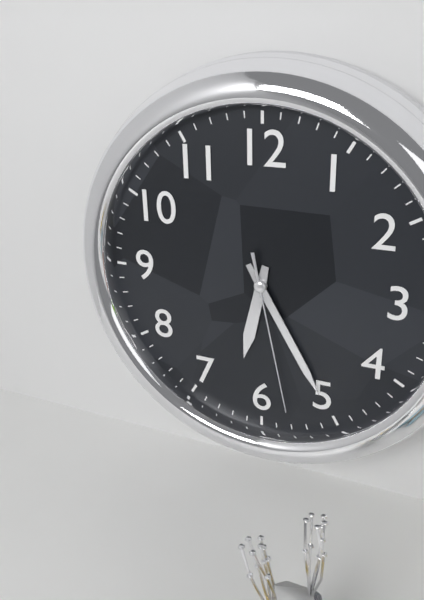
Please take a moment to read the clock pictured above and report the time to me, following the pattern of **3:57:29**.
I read **6:25:28**
